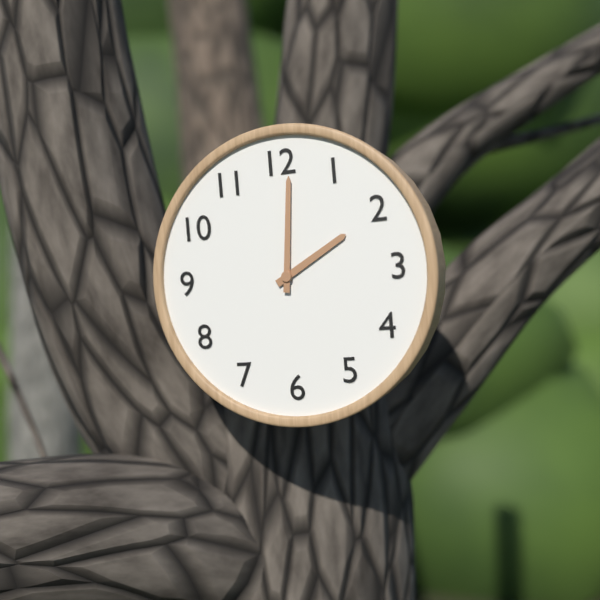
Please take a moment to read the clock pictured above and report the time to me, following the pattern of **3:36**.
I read **2:01**
